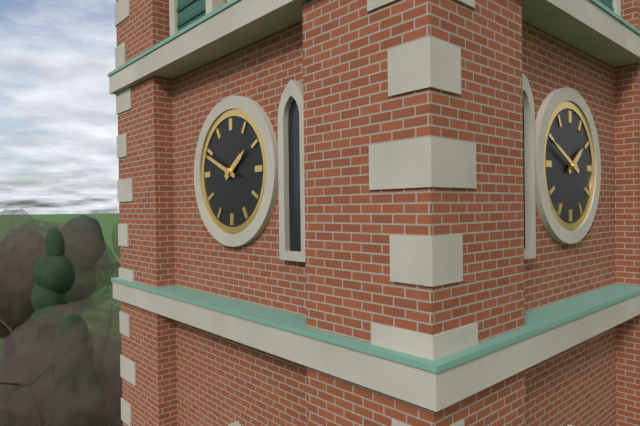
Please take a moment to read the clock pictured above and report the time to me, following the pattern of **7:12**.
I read **1:49**
